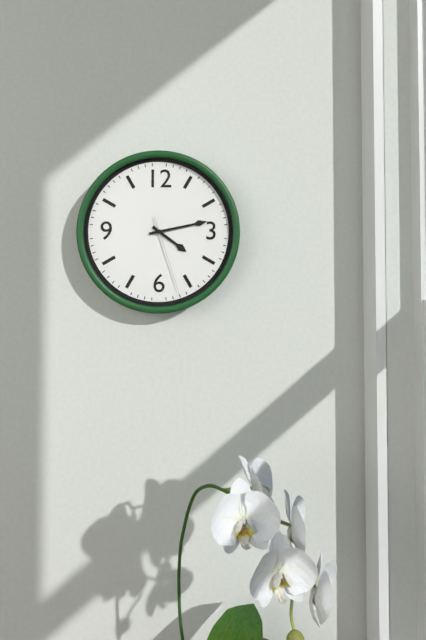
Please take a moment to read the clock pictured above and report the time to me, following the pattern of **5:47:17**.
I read **4:13:27**
